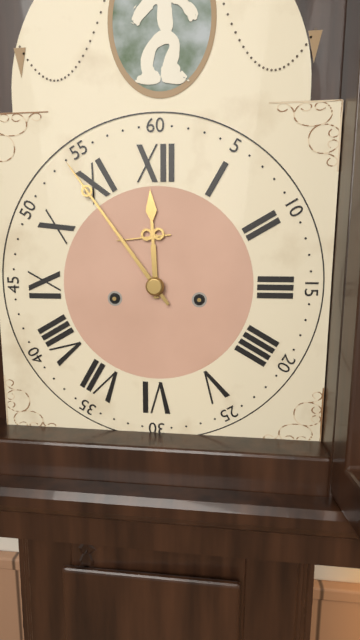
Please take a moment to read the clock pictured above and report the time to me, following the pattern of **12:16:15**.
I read **11:54:44**
